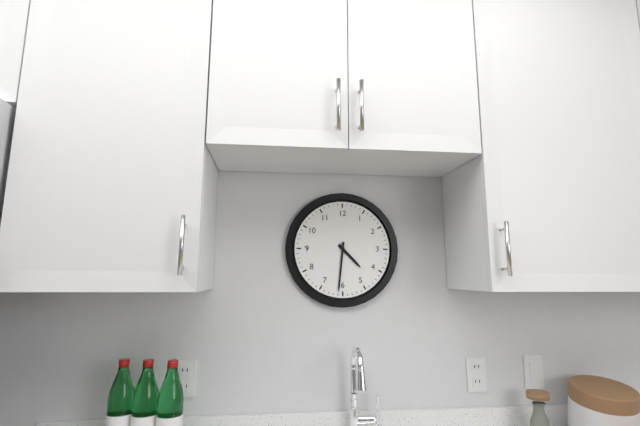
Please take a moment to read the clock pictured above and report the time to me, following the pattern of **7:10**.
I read **4:31**
